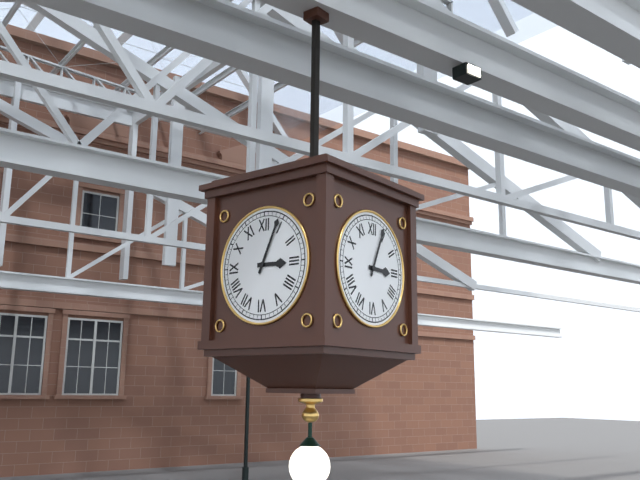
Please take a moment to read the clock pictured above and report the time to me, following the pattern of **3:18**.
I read **3:04**
